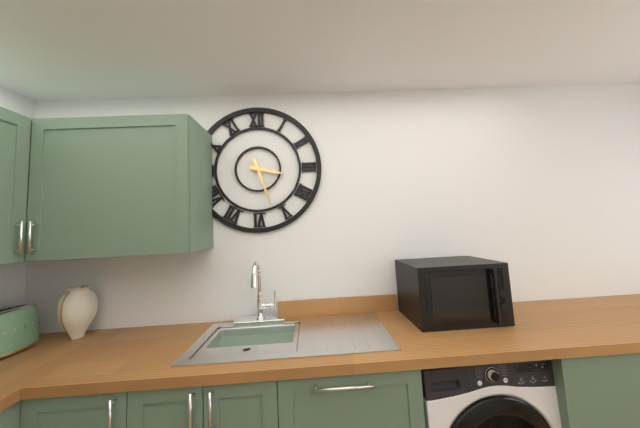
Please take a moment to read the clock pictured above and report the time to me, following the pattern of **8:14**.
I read **3:27**
